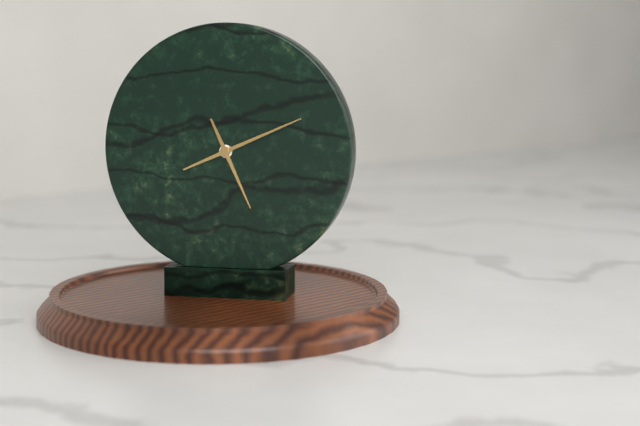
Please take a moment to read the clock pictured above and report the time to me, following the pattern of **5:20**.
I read **5:11**
